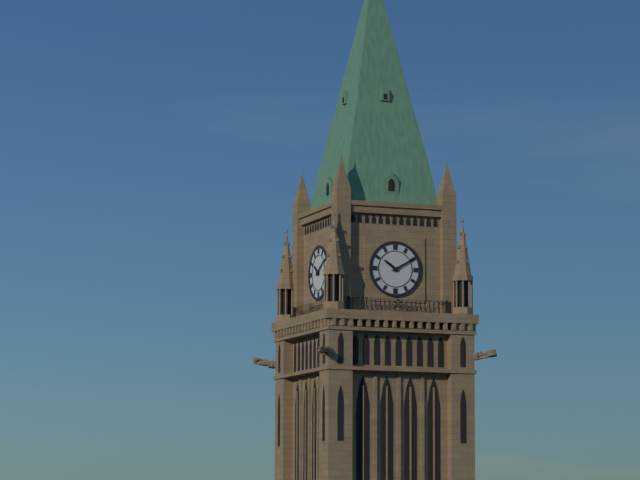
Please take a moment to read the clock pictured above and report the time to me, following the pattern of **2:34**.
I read **10:10**
